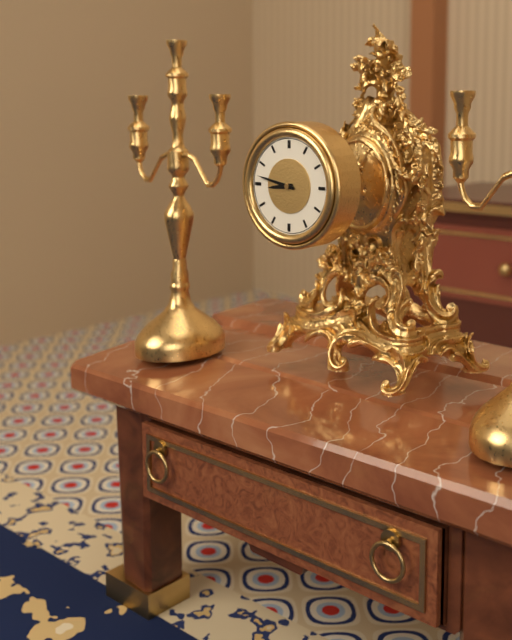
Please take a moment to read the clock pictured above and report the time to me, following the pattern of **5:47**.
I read **8:47**
